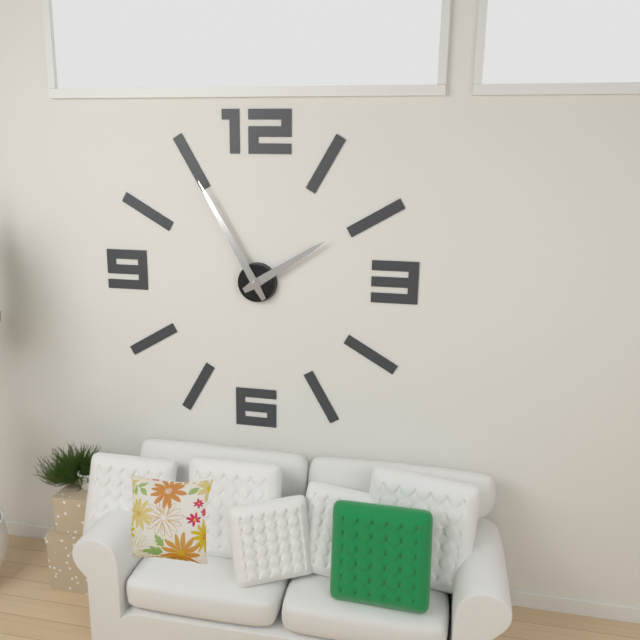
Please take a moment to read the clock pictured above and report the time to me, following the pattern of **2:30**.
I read **1:55**
